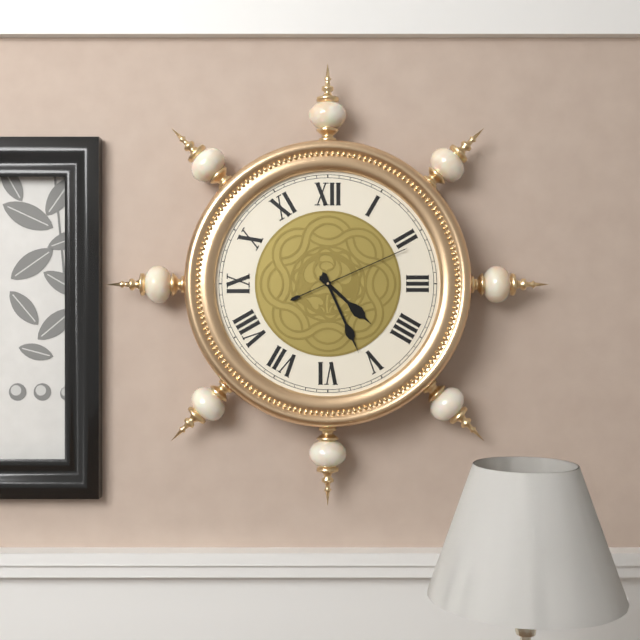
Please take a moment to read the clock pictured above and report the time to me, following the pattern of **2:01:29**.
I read **4:26:11**
